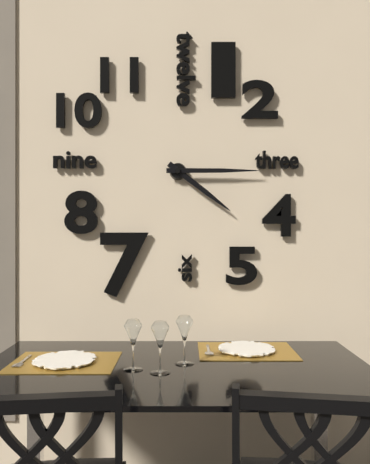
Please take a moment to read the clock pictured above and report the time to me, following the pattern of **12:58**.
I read **4:15**
